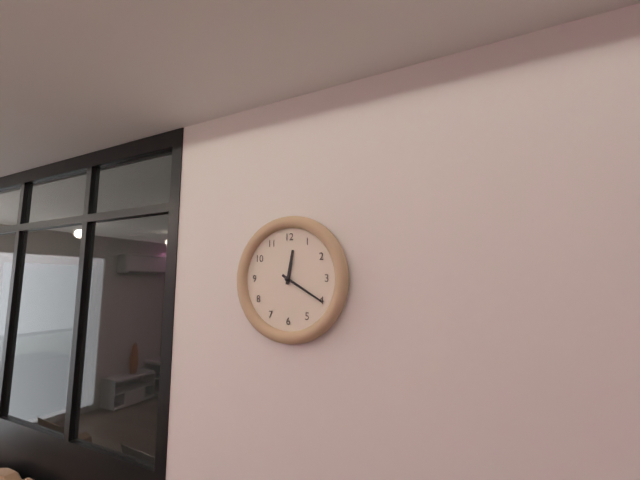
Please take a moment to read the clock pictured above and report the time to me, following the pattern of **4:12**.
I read **12:20**
